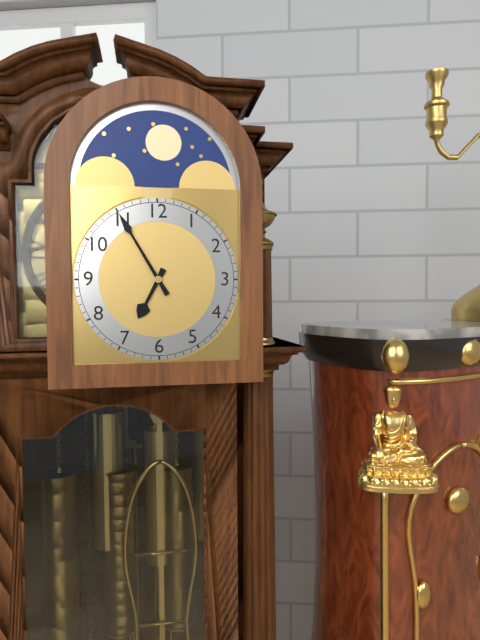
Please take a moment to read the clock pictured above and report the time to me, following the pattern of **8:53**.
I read **6:55**
